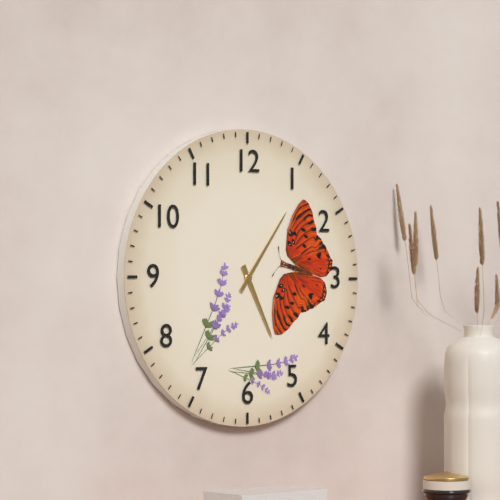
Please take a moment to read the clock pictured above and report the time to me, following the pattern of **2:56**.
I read **5:06**
